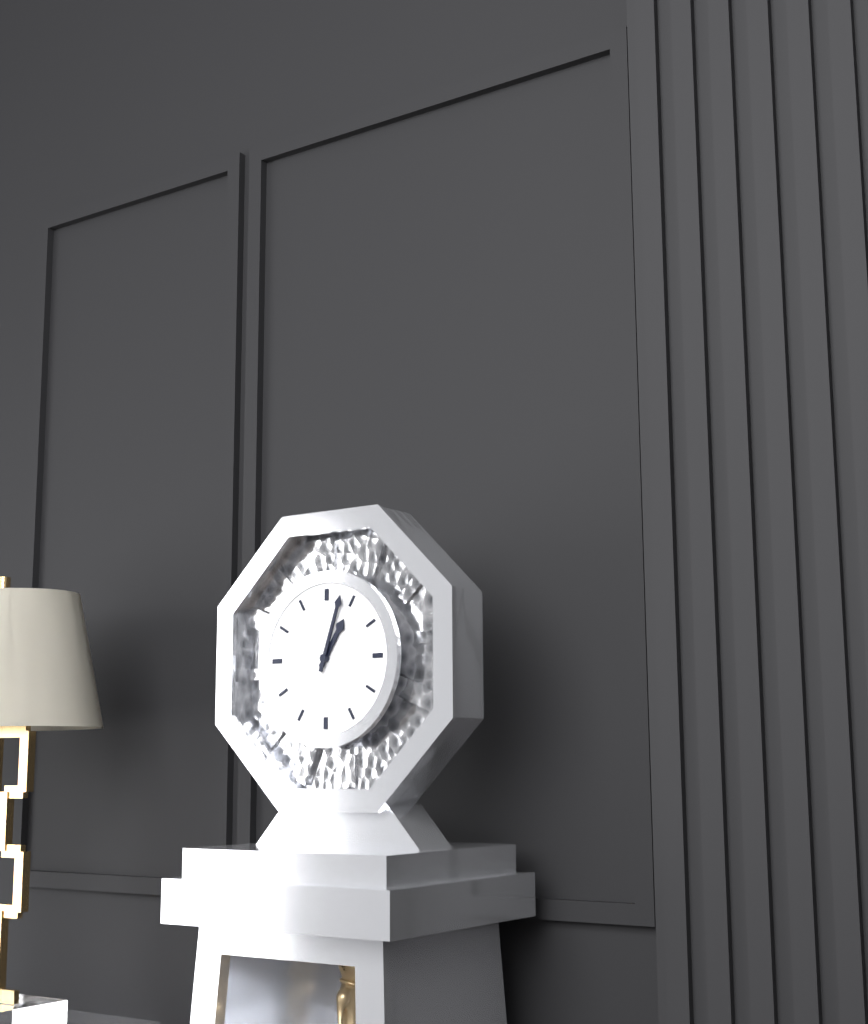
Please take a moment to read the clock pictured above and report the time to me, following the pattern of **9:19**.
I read **1:03**
